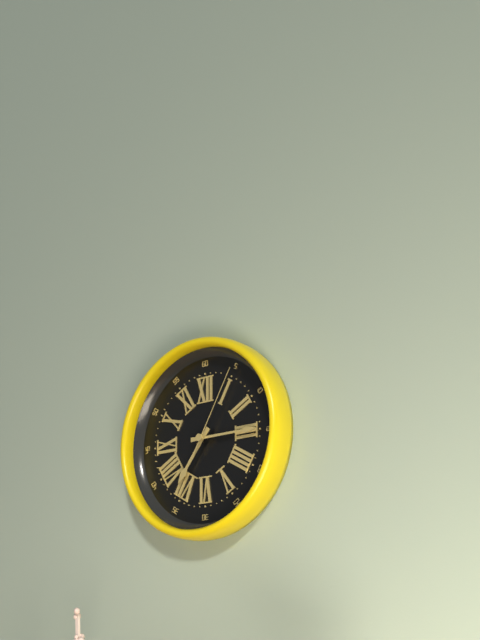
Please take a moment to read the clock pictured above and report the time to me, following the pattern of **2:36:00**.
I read **7:15:05**
